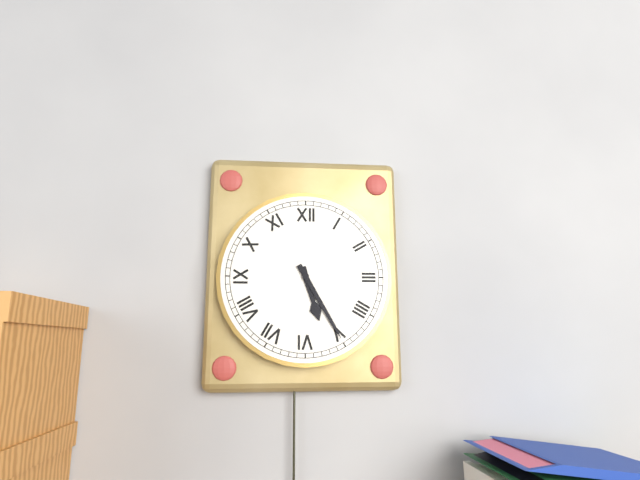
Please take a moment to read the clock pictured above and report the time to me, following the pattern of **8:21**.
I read **5:25**
